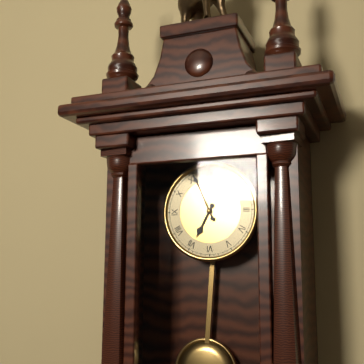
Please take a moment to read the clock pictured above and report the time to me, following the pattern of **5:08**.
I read **6:56**
